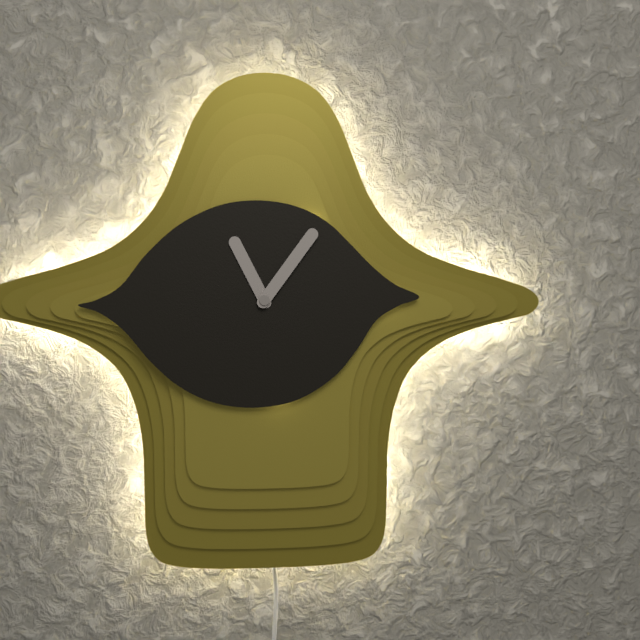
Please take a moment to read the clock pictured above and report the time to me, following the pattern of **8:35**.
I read **11:06**
